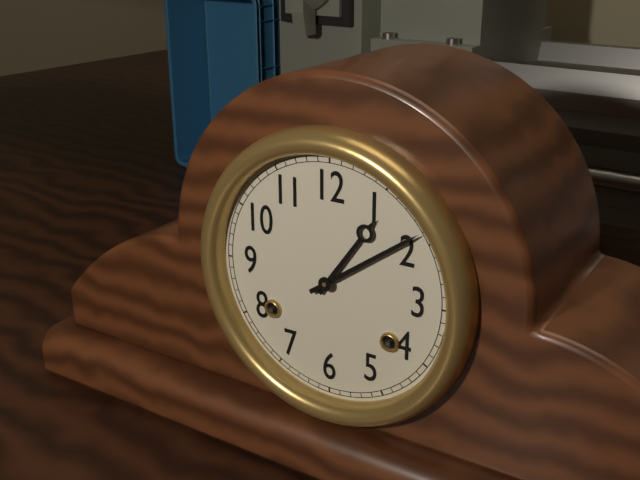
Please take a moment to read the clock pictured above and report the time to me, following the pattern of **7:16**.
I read **1:09**
